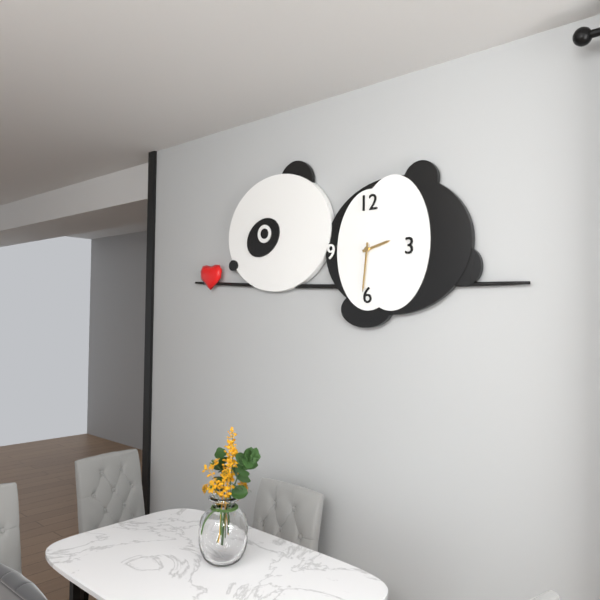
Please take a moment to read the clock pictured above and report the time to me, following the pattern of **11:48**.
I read **2:31**
